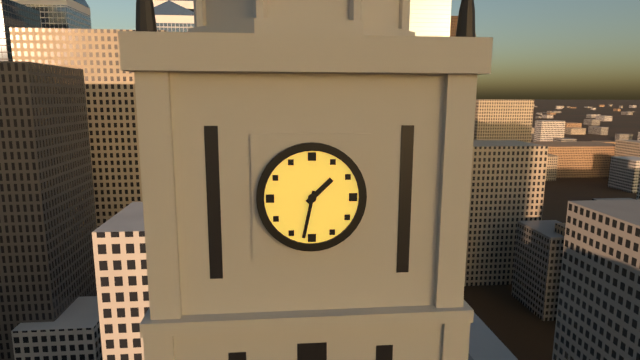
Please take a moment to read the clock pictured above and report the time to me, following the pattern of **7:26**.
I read **1:32**
